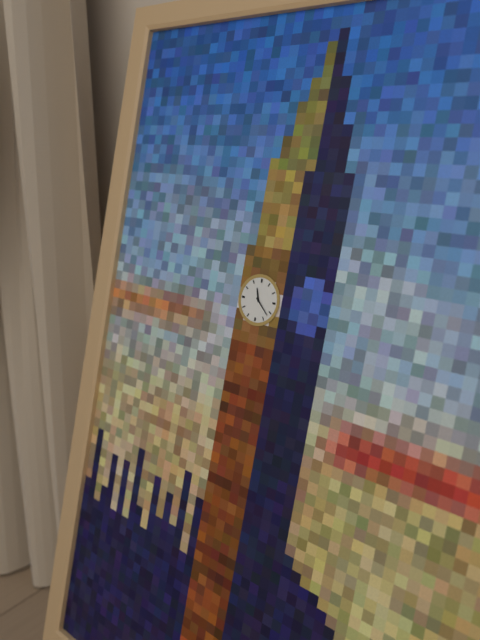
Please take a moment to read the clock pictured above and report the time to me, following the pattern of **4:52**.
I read **11:22**
